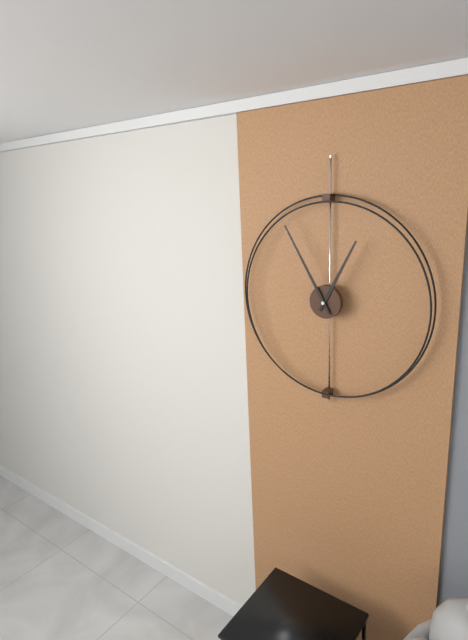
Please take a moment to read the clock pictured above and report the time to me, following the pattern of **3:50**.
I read **12:55**
